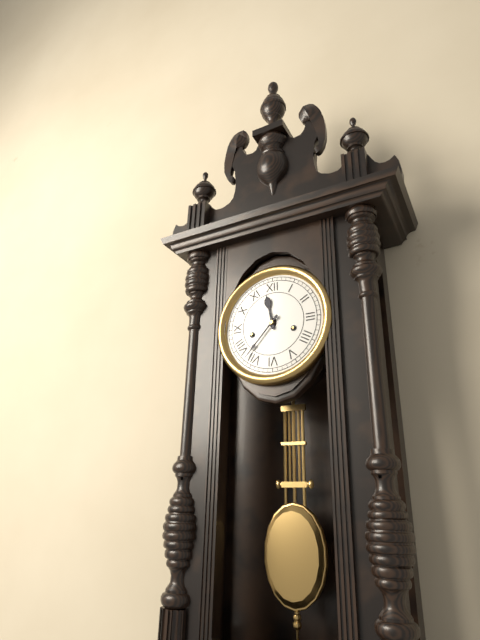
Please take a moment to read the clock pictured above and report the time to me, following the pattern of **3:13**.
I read **11:37**
